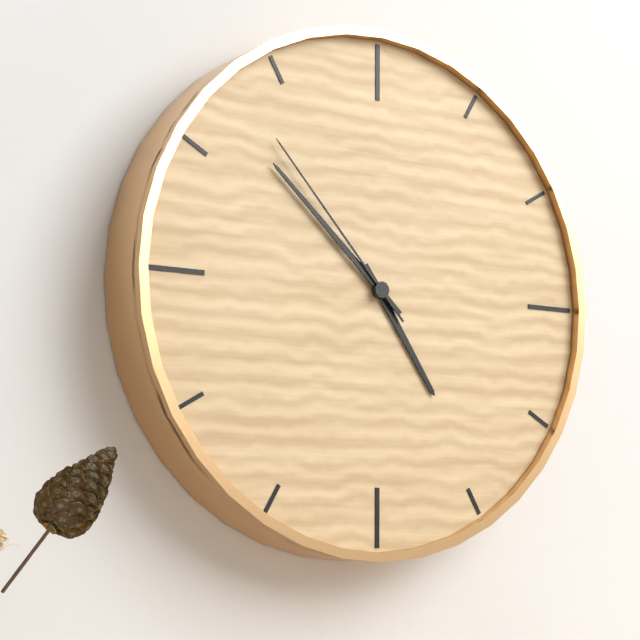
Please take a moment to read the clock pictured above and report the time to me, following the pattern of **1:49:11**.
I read **4:52:53**
